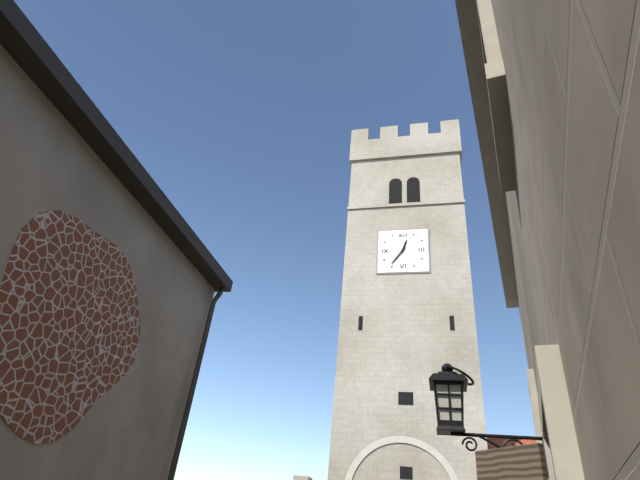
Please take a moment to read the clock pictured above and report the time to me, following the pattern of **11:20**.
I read **12:36**
